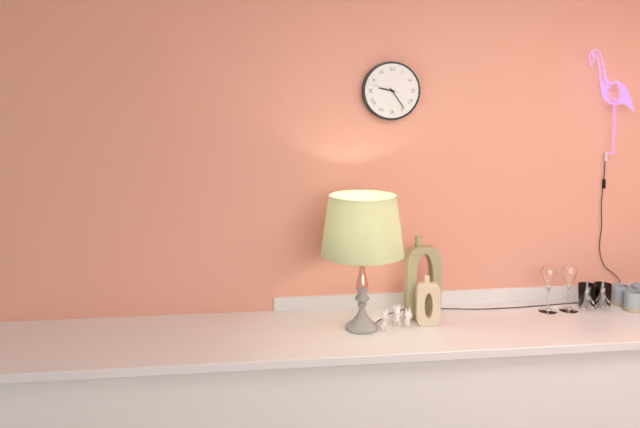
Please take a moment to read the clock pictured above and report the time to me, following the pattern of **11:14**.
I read **9:24**
